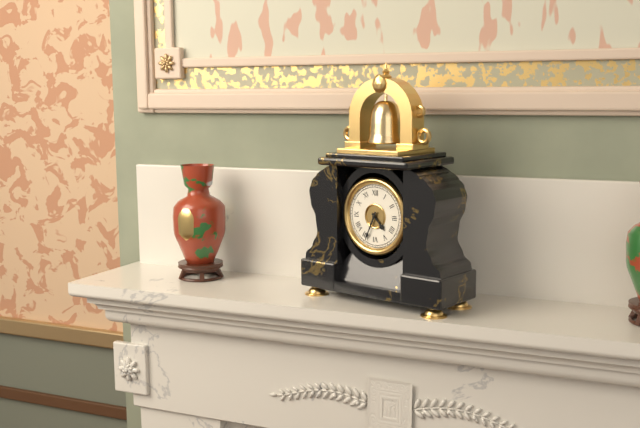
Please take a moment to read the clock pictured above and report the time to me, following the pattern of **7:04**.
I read **4:34**
